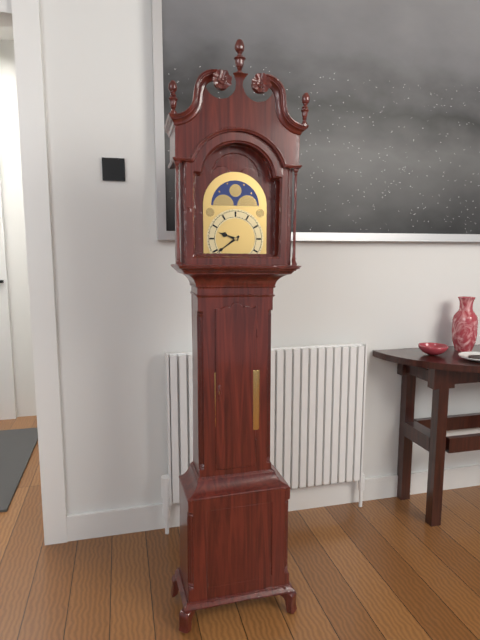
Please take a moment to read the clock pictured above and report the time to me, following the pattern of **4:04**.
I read **9:39**
